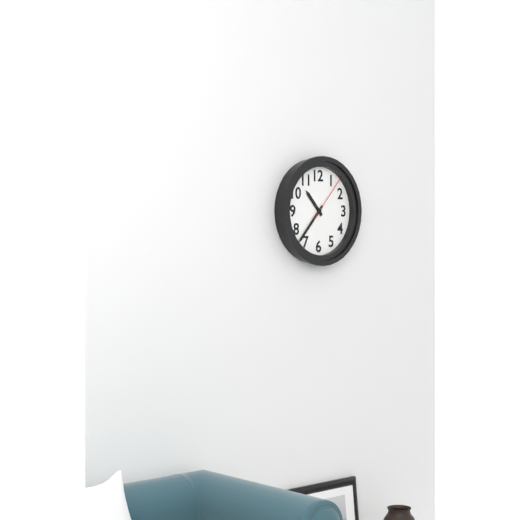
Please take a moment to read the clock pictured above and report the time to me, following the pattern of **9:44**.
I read **10:37**
